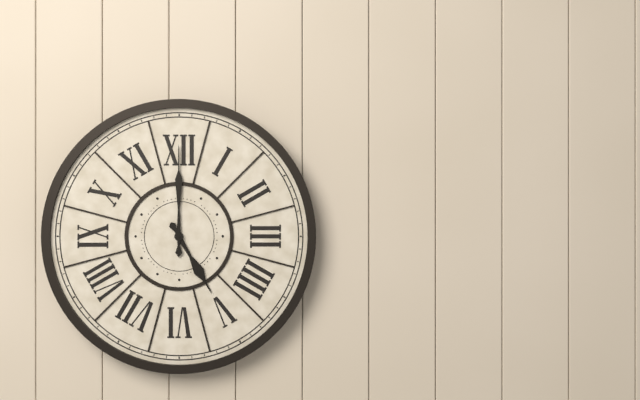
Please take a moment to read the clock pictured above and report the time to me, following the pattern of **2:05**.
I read **5:00**
